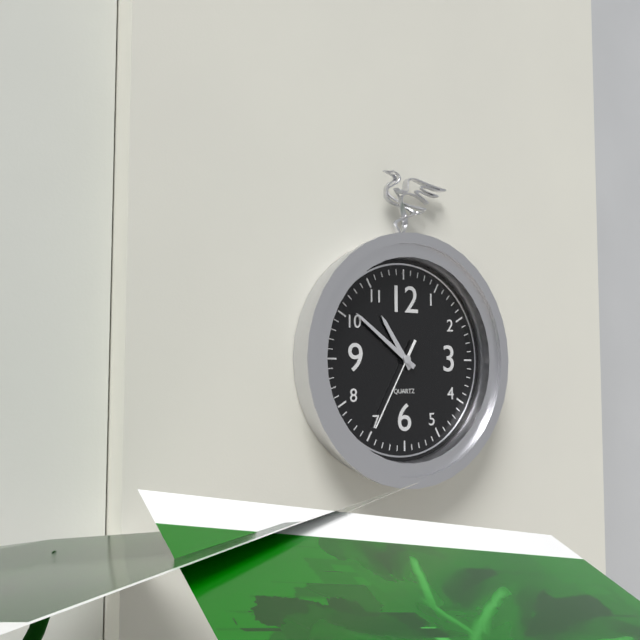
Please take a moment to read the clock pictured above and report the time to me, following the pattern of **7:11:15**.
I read **10:51:35**
